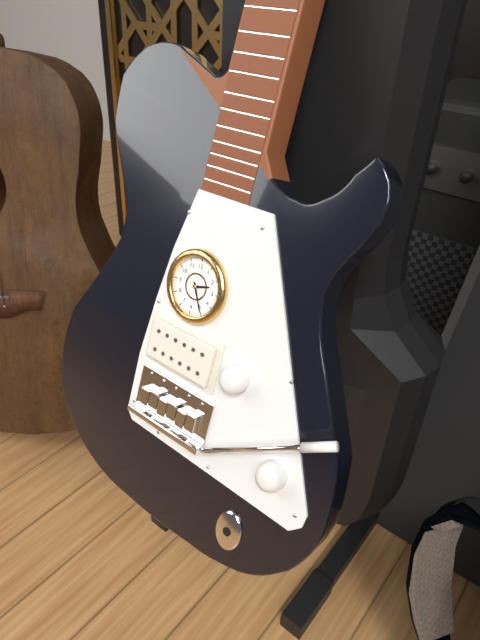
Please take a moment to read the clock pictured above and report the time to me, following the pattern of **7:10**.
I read **2:25**
